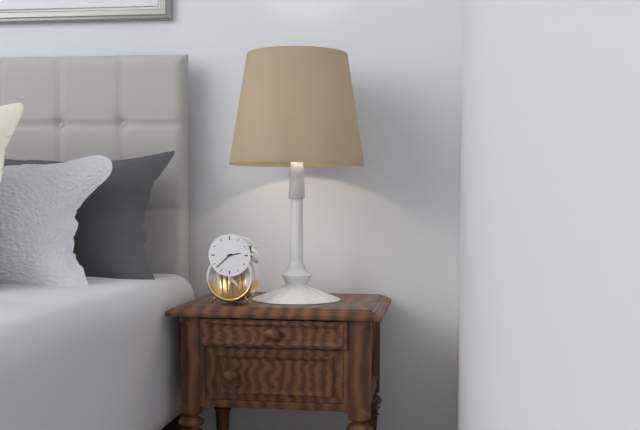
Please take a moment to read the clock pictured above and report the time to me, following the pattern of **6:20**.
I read **2:38**
